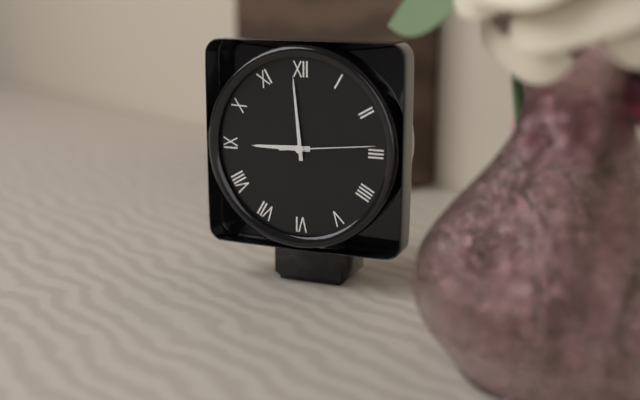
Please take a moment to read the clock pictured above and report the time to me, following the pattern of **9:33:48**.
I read **8:59:14**
